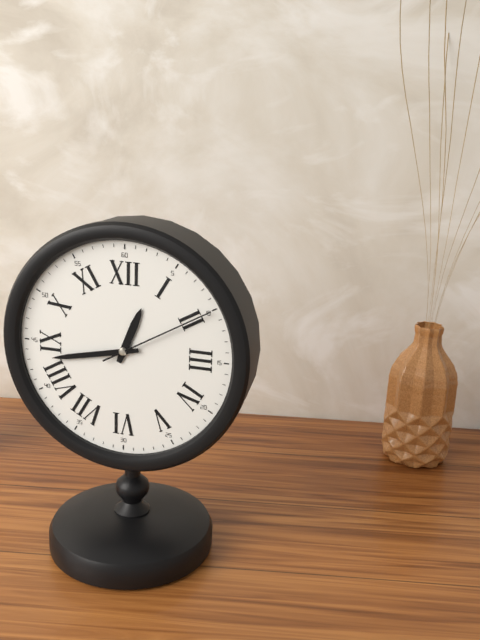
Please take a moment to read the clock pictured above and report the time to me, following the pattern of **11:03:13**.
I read **12:43:10**
